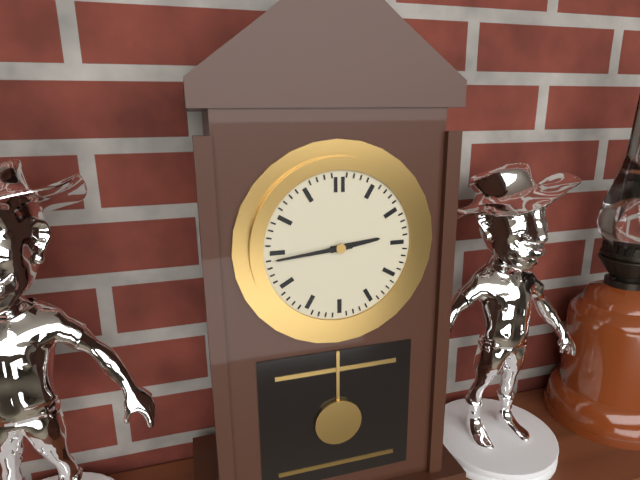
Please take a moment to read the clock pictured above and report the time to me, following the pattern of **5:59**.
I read **2:44**
